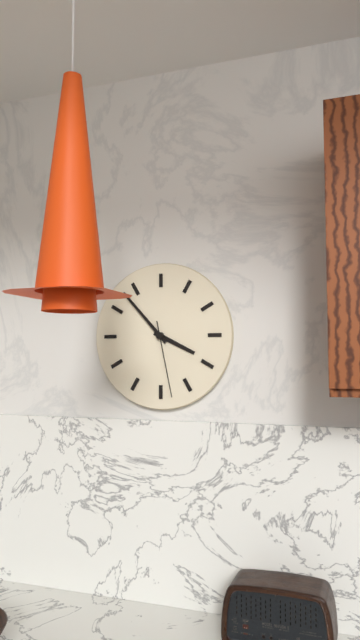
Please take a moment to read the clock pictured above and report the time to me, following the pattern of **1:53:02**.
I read **3:53:28**
